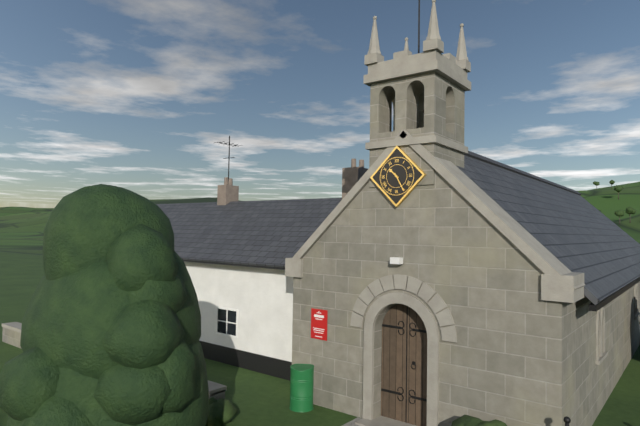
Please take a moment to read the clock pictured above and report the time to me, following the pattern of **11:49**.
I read **10:25**
